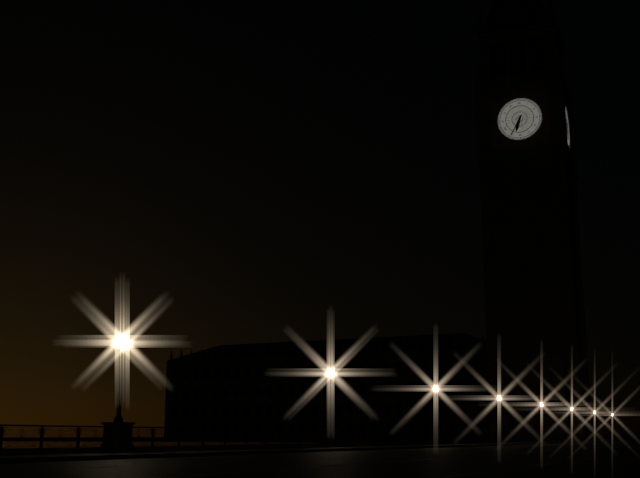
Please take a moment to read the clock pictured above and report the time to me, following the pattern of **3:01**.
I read **6:35**
